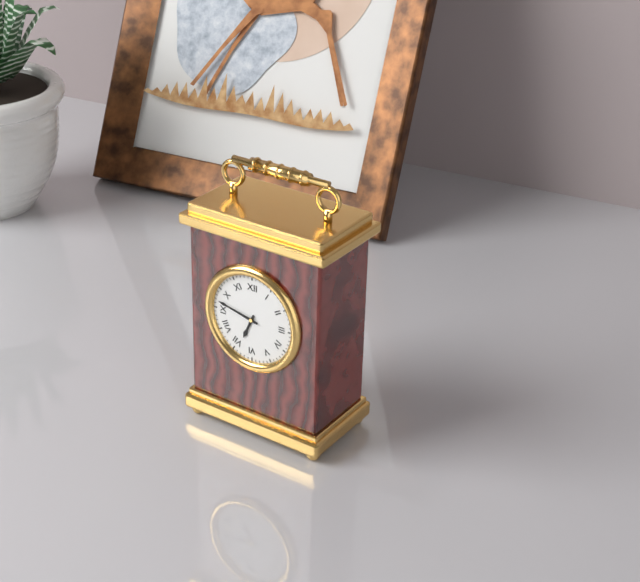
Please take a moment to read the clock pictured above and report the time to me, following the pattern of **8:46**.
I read **6:47**
